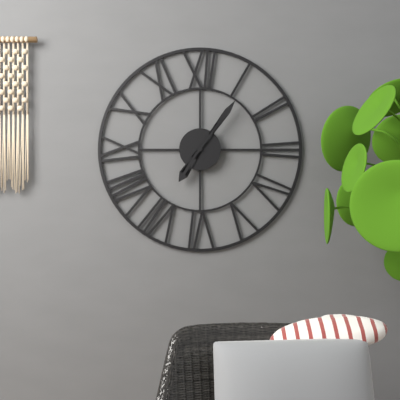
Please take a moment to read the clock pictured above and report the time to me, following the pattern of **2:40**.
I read **7:06**
